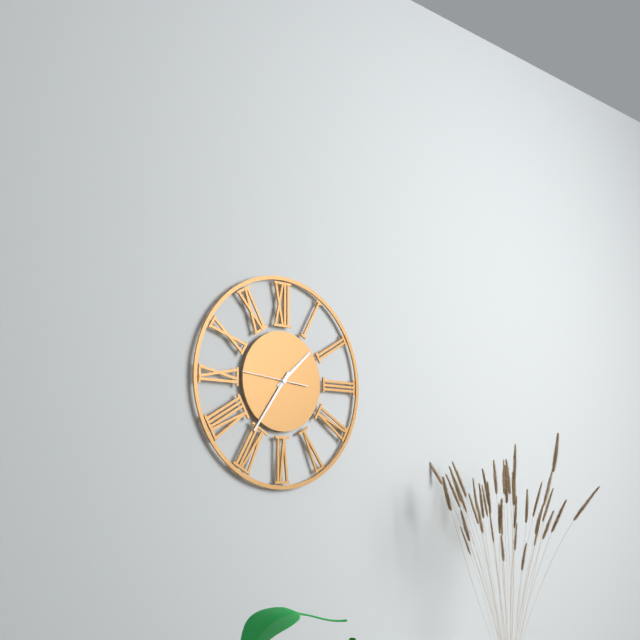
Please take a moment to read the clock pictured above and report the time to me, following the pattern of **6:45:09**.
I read **1:36:46**
